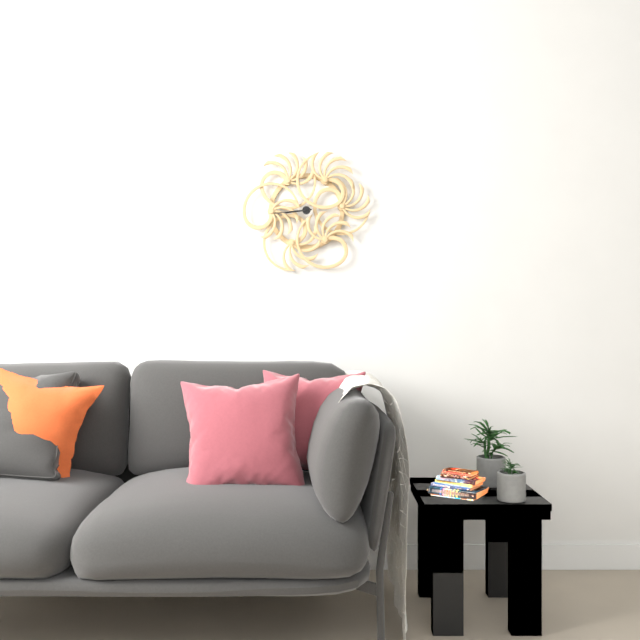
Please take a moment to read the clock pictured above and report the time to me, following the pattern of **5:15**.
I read **8:44**
